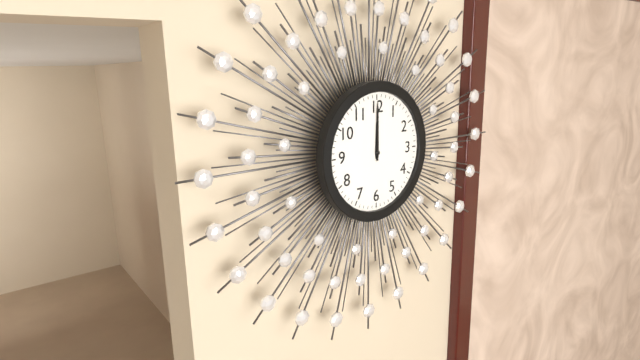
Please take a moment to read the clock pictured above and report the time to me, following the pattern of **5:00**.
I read **12:00**
